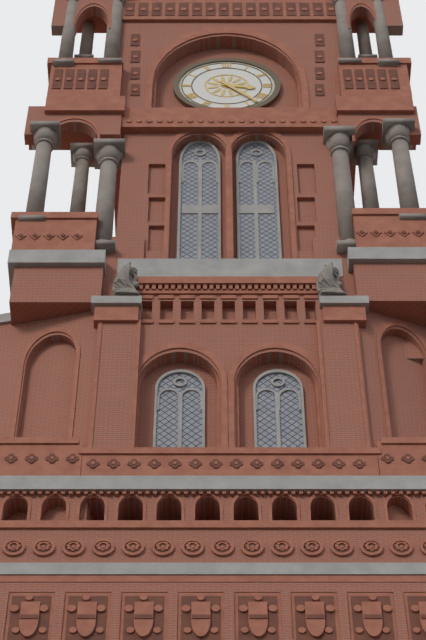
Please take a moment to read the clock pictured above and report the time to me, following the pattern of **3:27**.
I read **3:23**
